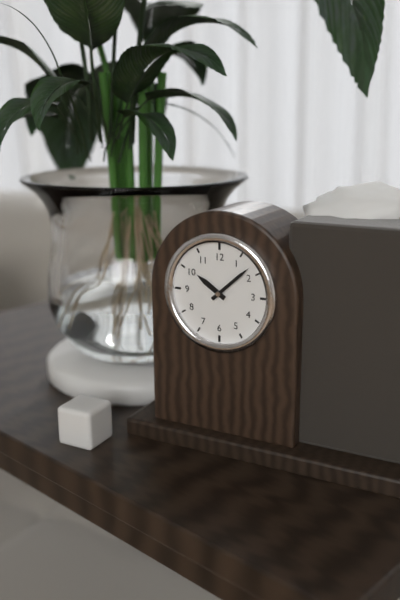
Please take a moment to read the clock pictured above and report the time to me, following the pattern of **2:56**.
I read **10:08**
